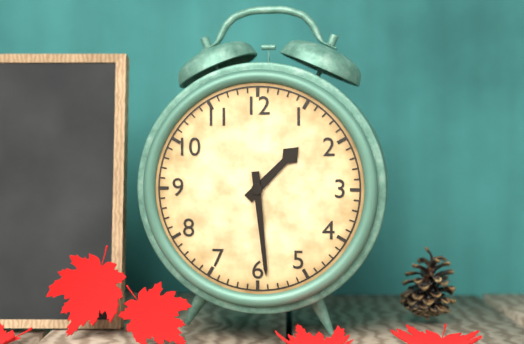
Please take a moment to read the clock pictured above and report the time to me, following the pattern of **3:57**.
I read **1:29**
